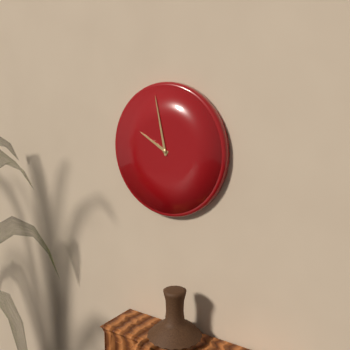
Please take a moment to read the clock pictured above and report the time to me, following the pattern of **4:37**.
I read **9:58**
